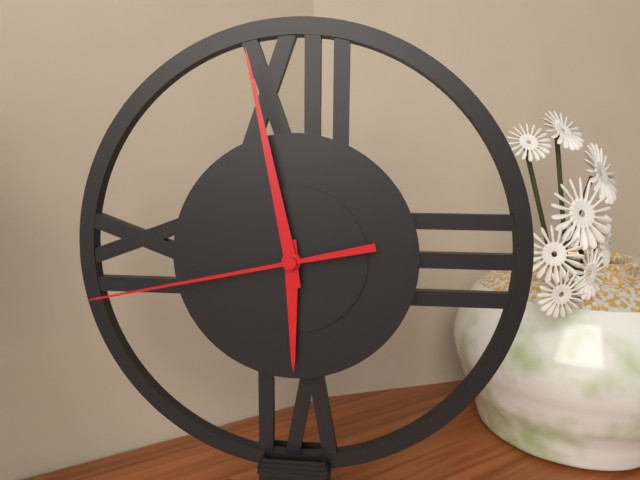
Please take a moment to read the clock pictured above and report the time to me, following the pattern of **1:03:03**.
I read **5:58:43**
